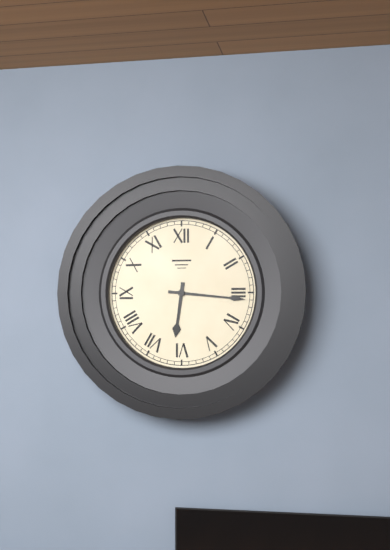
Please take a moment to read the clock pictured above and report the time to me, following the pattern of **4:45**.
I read **6:16**
